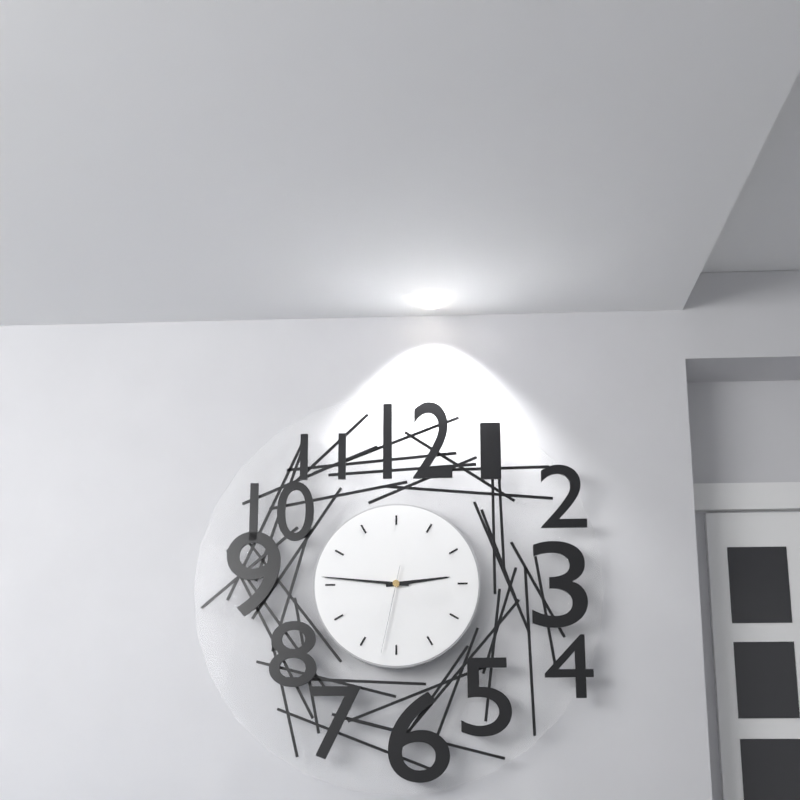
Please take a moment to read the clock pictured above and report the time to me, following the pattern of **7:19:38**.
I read **2:46:32**
